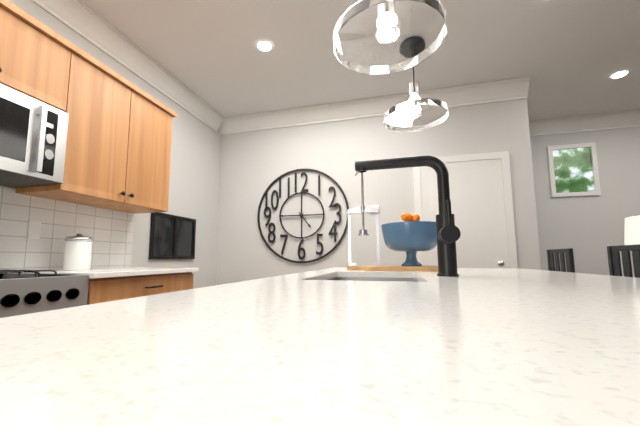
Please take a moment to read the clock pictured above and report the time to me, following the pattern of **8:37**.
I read **4:45**
